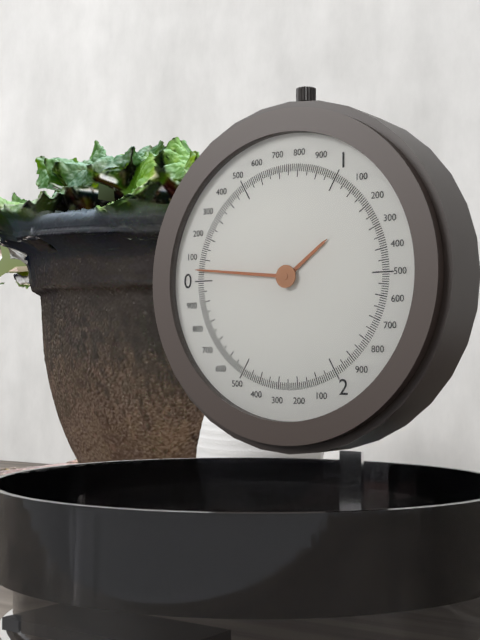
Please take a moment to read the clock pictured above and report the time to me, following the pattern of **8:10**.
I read **1:46**
